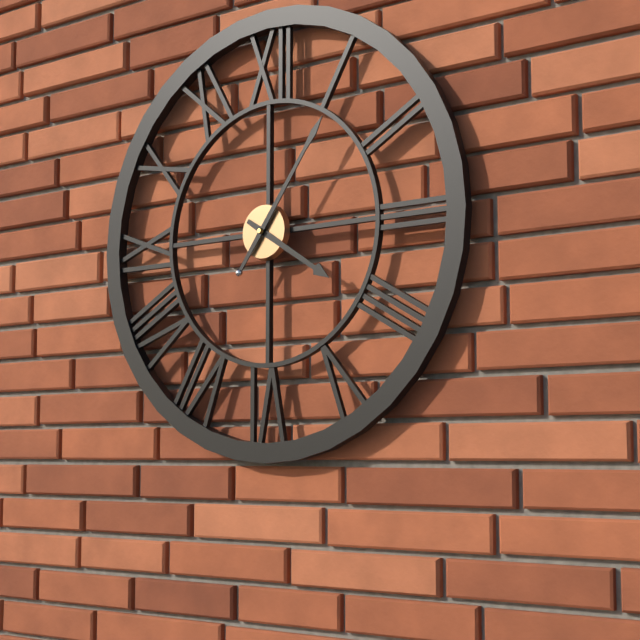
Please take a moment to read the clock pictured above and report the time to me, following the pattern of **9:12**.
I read **4:06**
